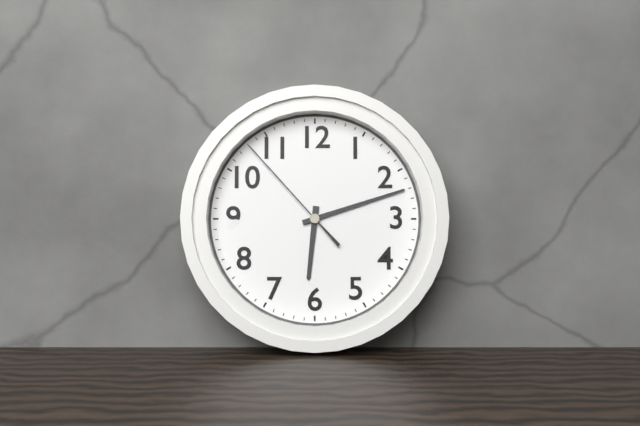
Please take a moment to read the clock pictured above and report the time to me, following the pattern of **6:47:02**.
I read **6:12:53**
